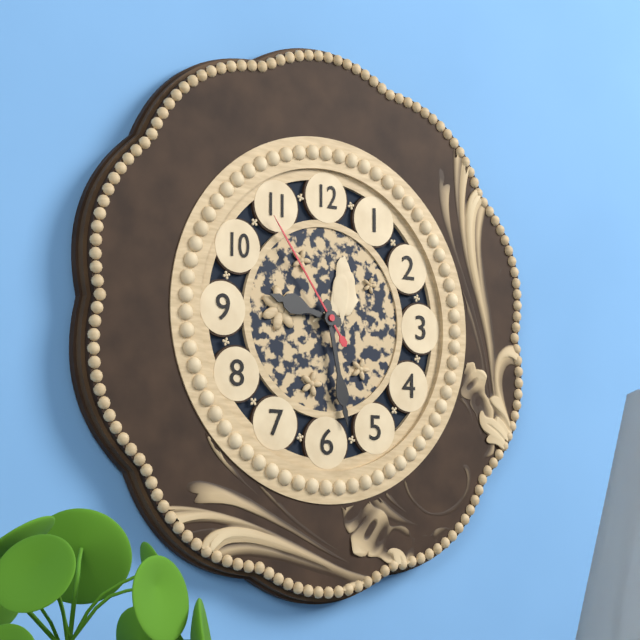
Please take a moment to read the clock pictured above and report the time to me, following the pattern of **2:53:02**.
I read **9:28:54**
